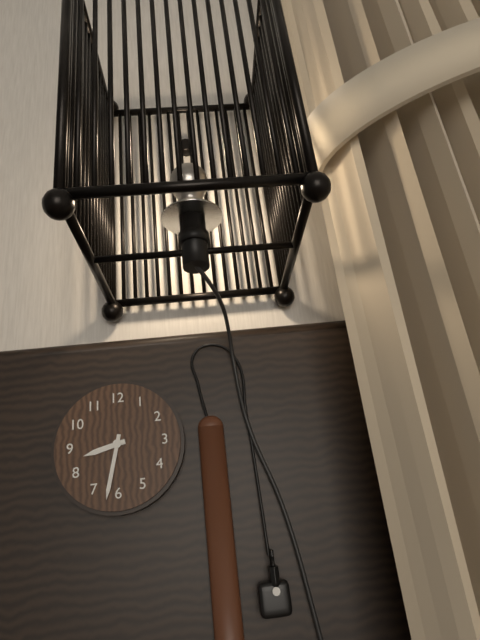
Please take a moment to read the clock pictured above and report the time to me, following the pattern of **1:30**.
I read **8:32**
